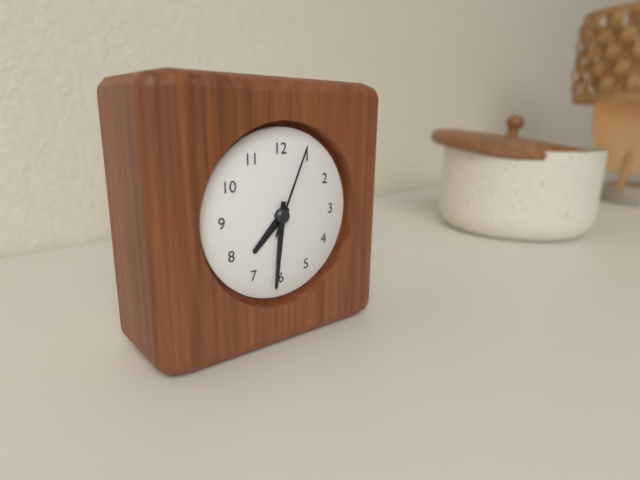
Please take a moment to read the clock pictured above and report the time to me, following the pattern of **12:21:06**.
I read **7:31:04**
